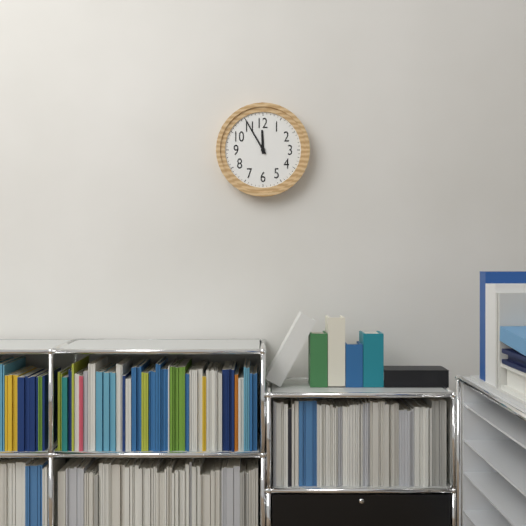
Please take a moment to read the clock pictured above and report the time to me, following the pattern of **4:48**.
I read **11:55**
